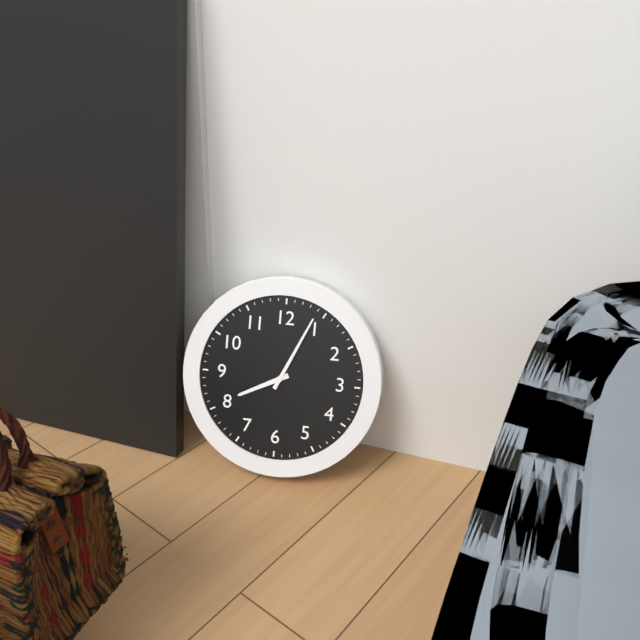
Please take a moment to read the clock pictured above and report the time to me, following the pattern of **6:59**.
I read **8:04**
